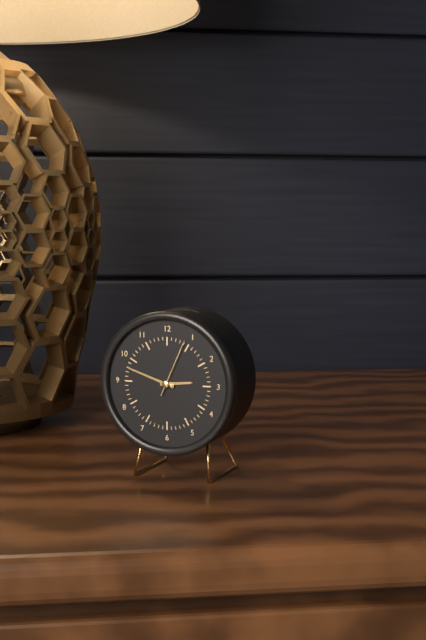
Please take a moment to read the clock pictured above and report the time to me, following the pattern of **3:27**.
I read **2:48**
